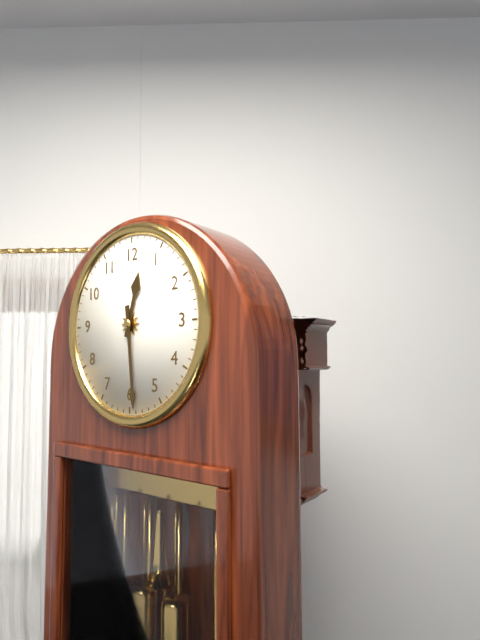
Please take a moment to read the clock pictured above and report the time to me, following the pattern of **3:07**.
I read **12:29**
